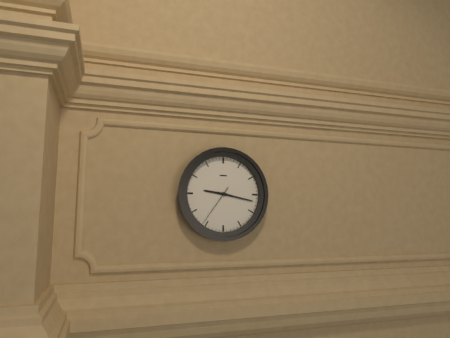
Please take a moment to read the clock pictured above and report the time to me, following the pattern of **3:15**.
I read **9:17**
